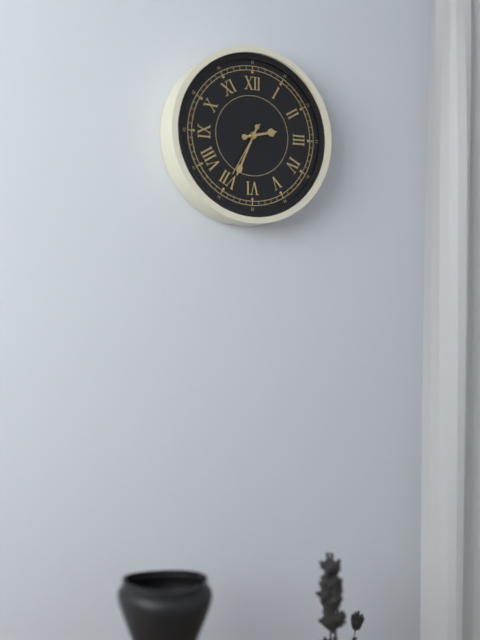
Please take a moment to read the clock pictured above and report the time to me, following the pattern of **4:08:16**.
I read **2:34:35**
